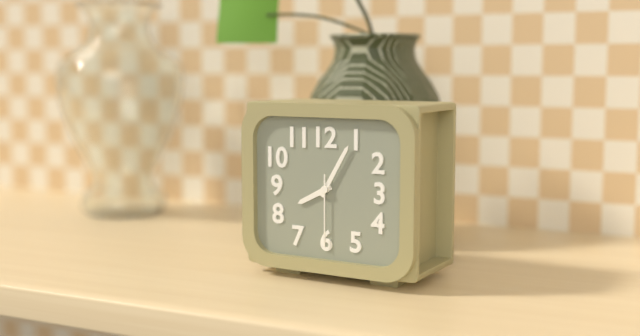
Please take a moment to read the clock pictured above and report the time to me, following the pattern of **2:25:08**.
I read **8:05:30**
